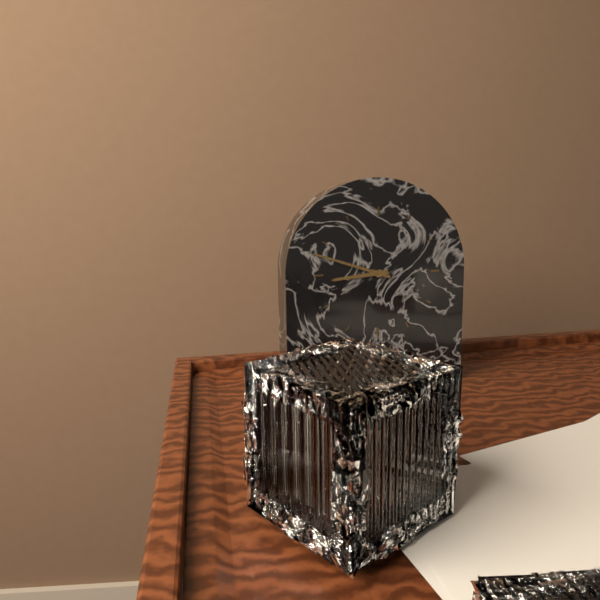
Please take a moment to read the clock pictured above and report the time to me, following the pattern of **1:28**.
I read **8:48**
